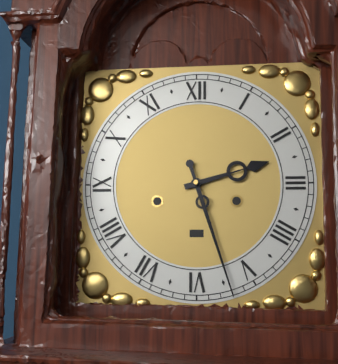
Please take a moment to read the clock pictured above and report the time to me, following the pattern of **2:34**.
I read **2:27**
